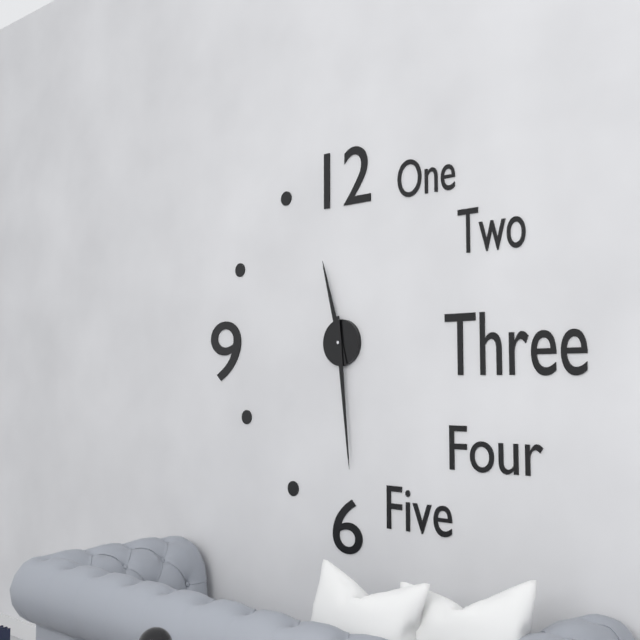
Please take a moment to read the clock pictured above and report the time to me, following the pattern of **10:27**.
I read **11:29**
